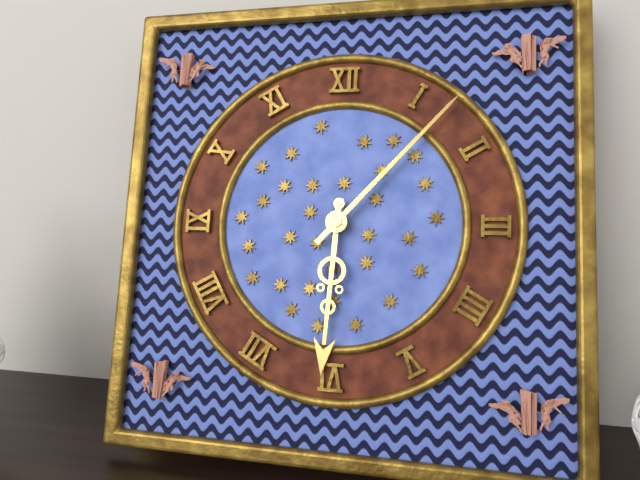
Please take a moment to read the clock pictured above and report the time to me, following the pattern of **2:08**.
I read **6:07**
